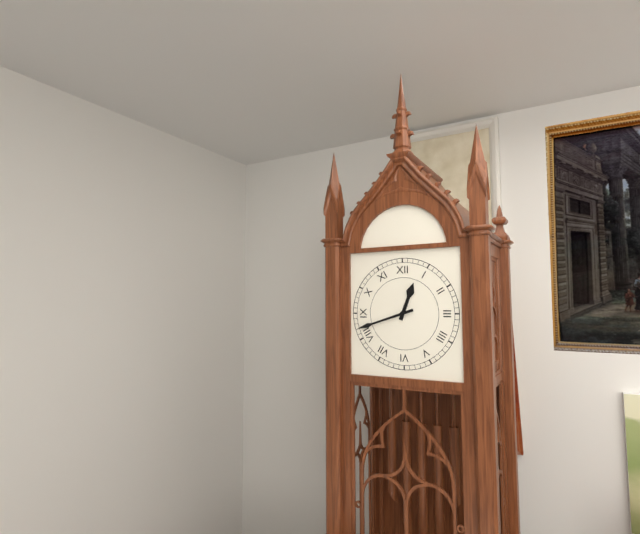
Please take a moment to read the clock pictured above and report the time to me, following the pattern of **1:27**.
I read **12:42**
